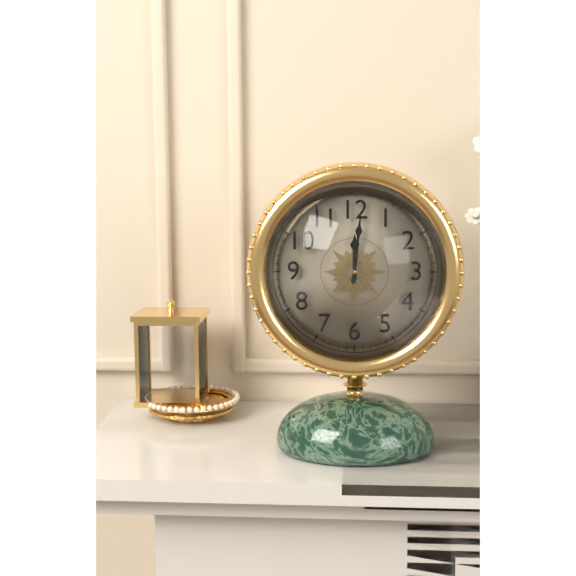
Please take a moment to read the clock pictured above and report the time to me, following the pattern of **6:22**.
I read **12:01**
